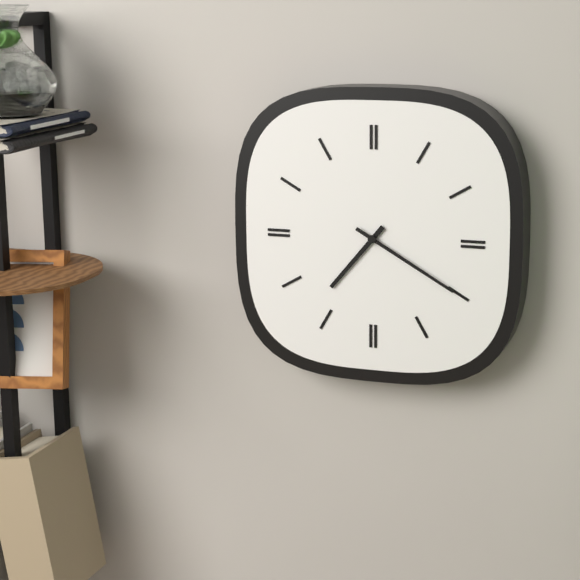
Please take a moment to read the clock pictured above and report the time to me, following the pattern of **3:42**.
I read **7:20**
